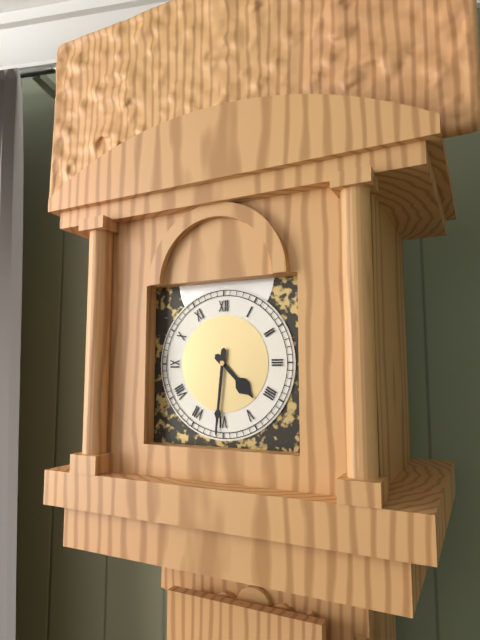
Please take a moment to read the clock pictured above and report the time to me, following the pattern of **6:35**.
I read **4:31**
